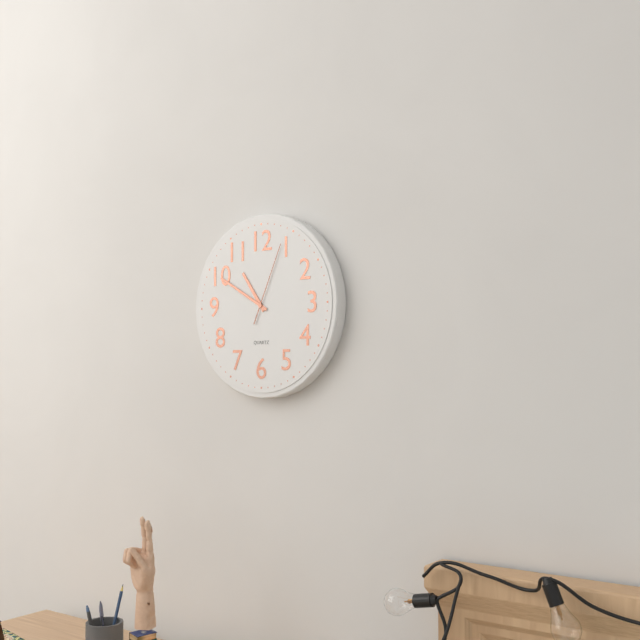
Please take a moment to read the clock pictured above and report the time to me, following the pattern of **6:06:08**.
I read **10:50:04**
